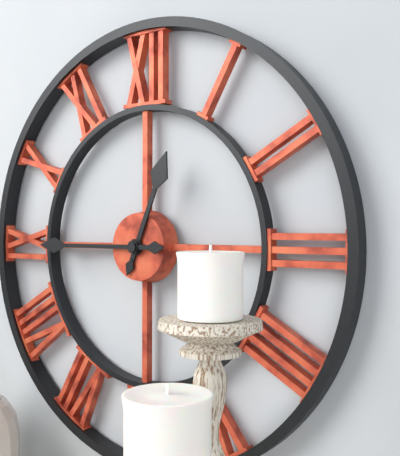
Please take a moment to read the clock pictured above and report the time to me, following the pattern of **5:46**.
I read **12:45**
